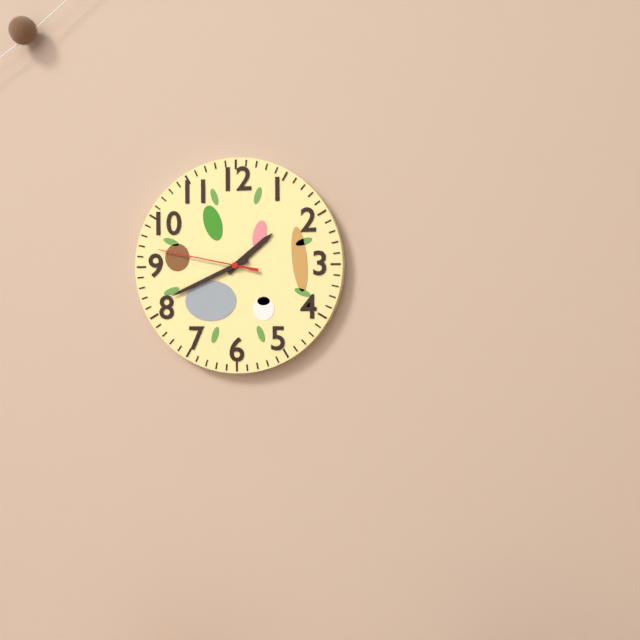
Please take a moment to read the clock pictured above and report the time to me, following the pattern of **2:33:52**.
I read **1:41:47**
